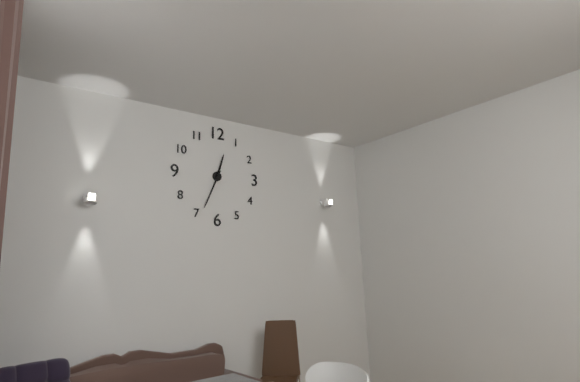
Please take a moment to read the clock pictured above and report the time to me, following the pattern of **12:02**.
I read **12:34**
